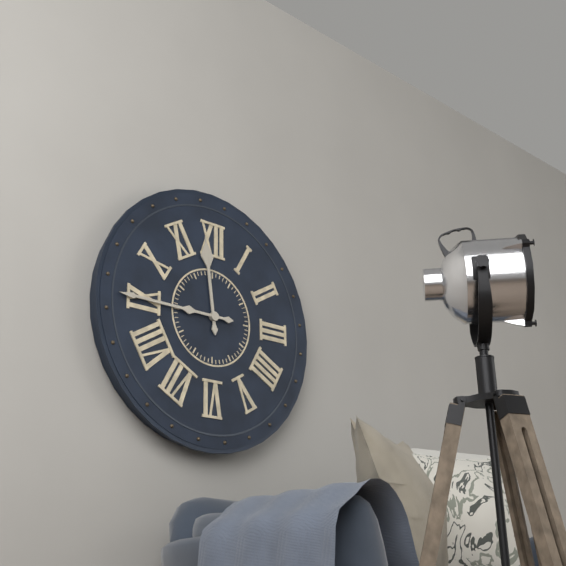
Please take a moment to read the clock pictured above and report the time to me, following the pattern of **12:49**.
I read **11:45**
